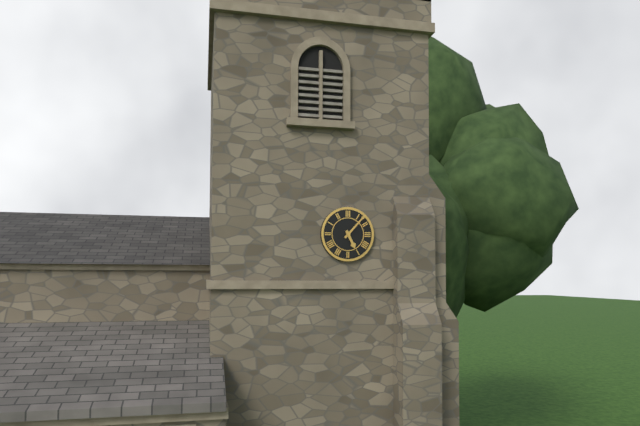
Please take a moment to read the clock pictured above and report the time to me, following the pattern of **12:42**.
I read **5:07**
